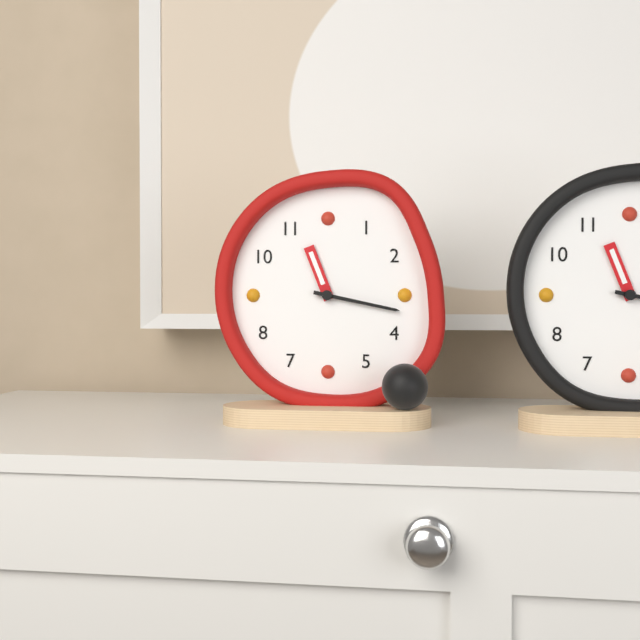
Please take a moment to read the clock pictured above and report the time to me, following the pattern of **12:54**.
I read **11:17**
